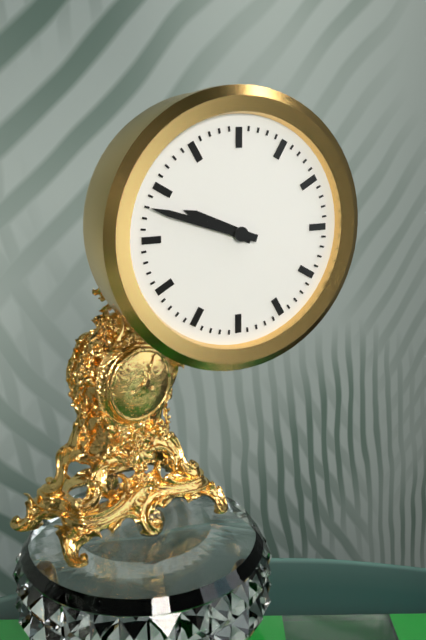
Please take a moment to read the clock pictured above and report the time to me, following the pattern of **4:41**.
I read **9:48**
